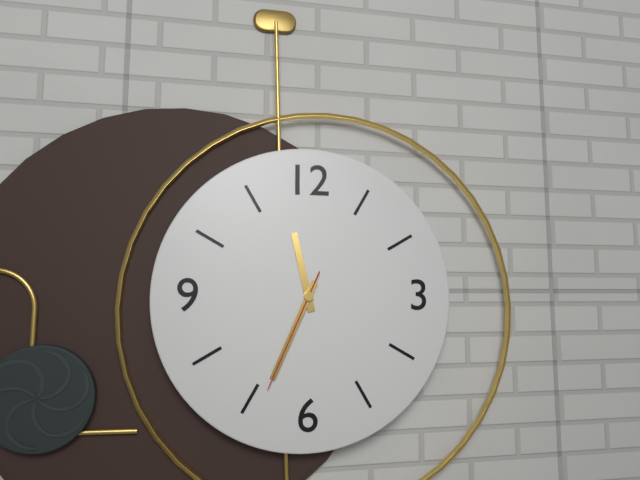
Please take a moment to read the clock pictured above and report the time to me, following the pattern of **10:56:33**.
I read **11:34:34**
